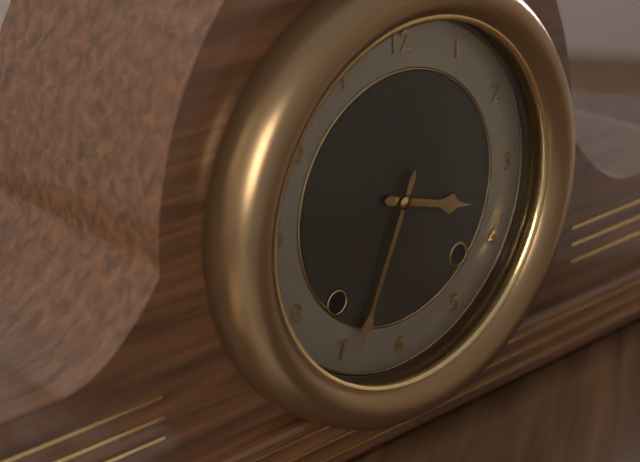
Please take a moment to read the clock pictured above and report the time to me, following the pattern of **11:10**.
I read **3:34**
